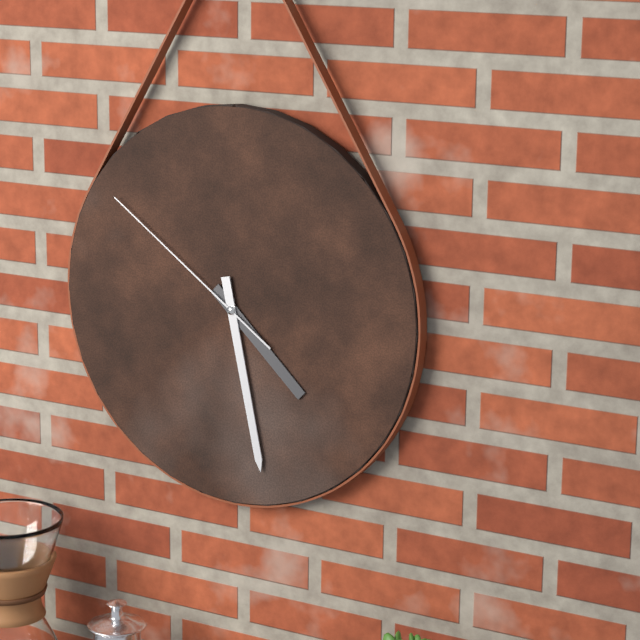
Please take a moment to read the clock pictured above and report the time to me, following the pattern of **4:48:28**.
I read **4:28:51**
